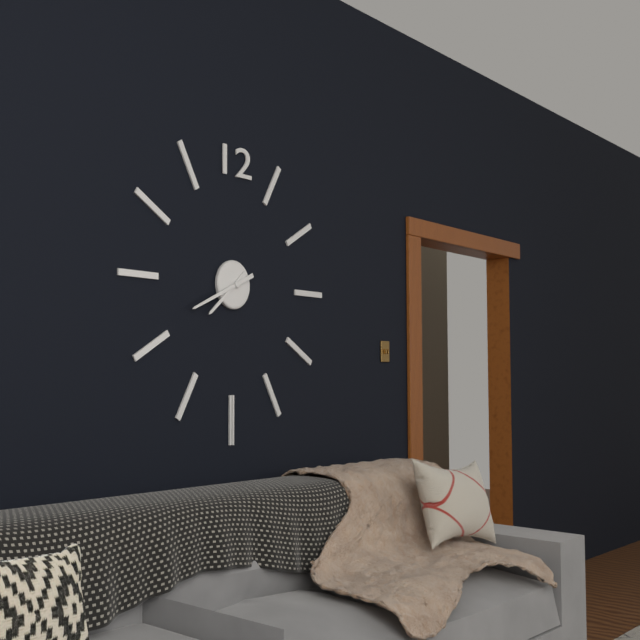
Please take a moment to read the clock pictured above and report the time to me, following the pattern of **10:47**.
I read **7:41**
